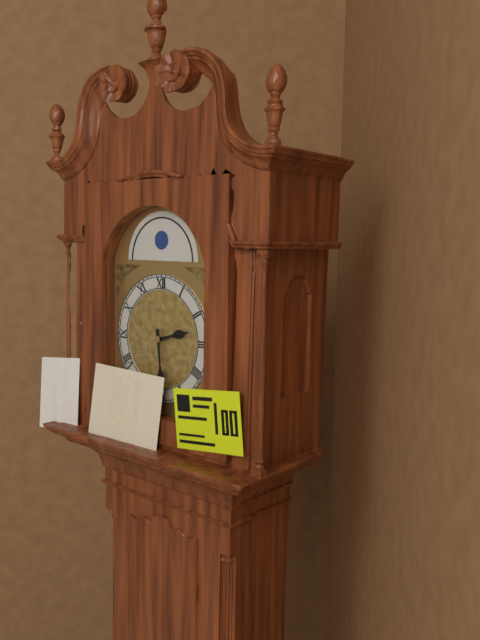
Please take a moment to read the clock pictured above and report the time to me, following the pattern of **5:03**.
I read **2:29**
